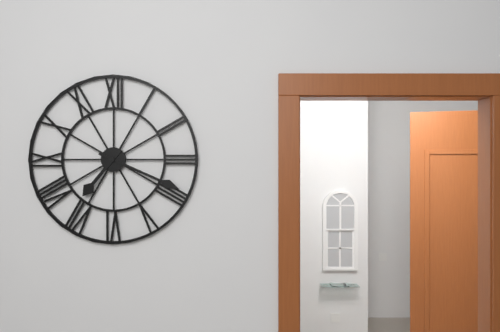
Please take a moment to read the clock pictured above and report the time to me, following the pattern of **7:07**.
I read **7:19**
